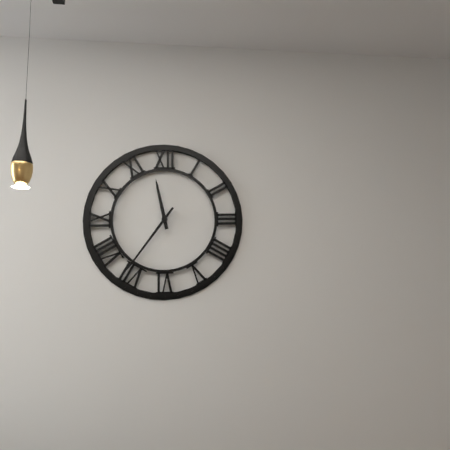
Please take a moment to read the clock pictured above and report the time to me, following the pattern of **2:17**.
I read **11:36**
